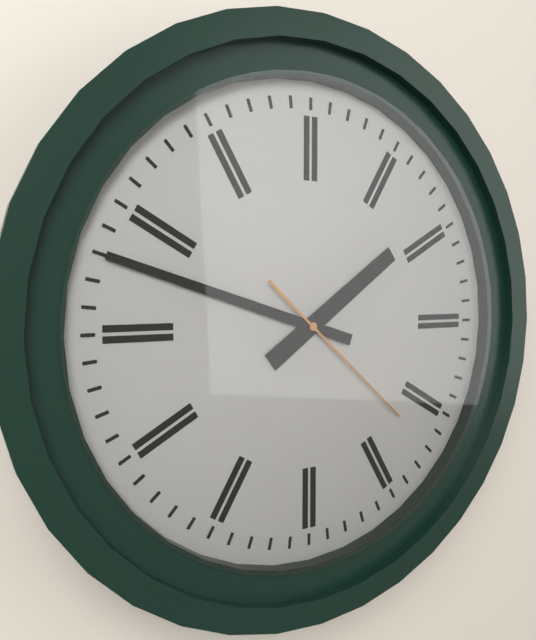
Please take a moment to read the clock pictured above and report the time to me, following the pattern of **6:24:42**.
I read **1:48:22**
